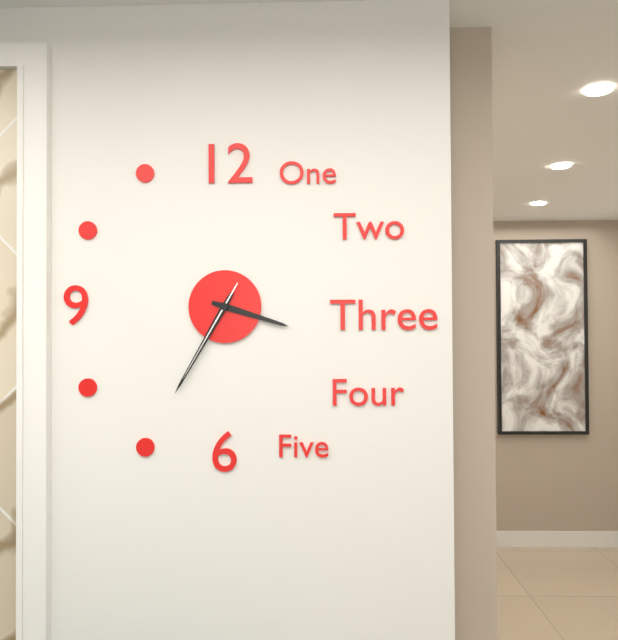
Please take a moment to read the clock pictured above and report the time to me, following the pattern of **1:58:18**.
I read **3:35:35**
